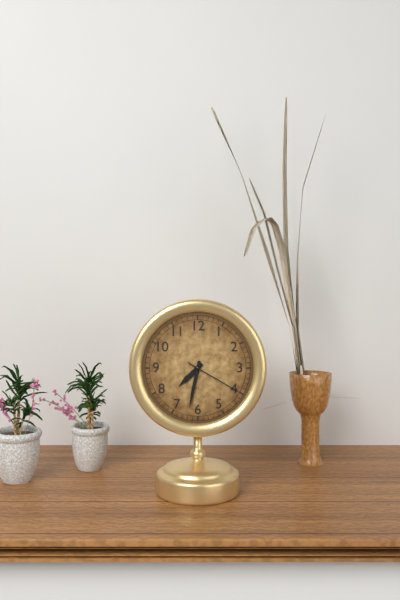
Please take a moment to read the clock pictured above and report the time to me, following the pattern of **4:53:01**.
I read **7:32:20**
